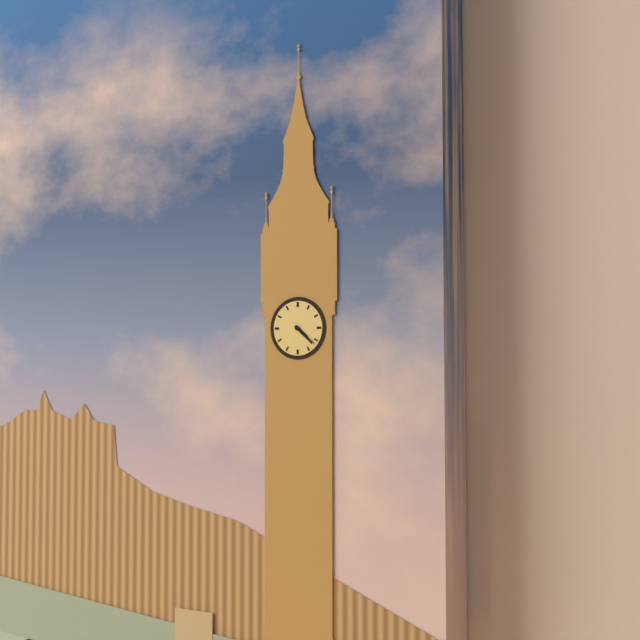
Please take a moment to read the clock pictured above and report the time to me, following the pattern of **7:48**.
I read **4:22**
